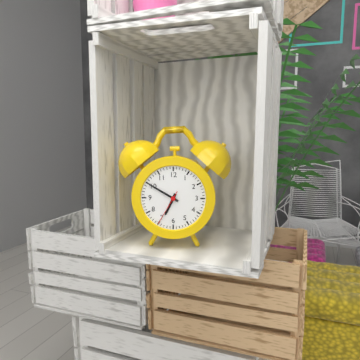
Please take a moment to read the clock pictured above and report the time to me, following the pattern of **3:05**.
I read **6:50**
